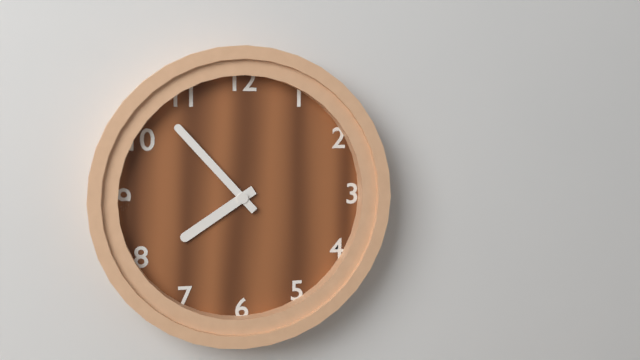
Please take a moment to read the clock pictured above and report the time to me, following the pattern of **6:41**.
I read **7:53**
